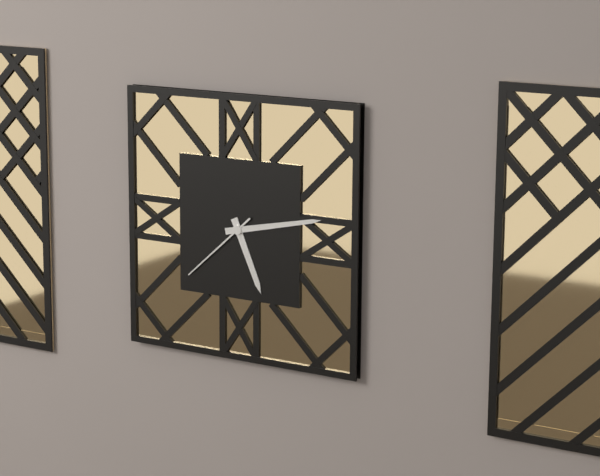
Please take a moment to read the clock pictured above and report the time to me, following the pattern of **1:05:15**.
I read **5:13:38**
